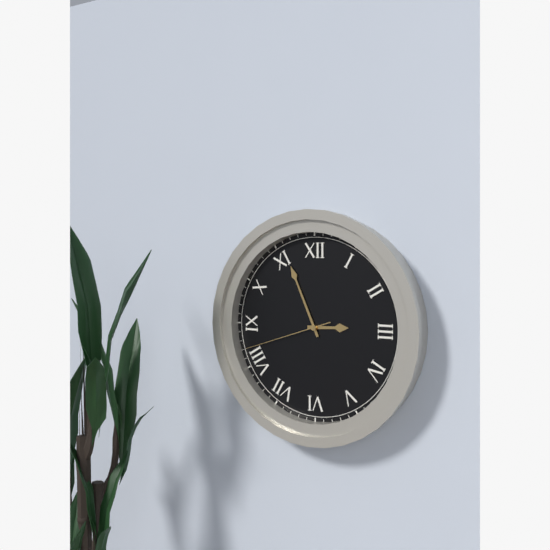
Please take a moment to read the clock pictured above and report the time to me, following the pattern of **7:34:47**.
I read **2:56:42**
